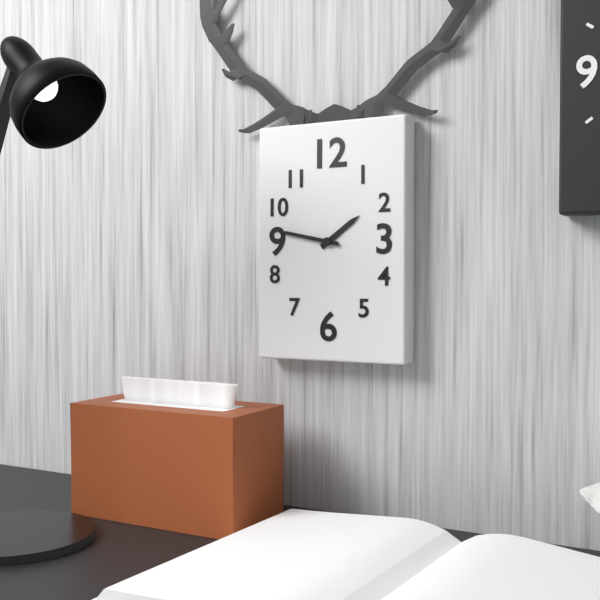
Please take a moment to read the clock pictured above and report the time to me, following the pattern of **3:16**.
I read **1:47**
